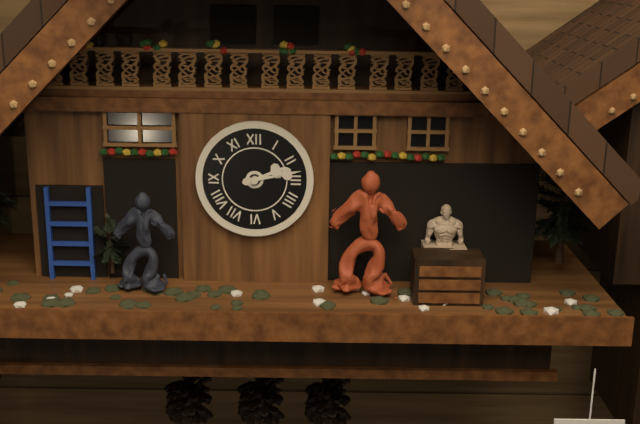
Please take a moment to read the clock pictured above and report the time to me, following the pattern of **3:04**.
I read **2:13**
